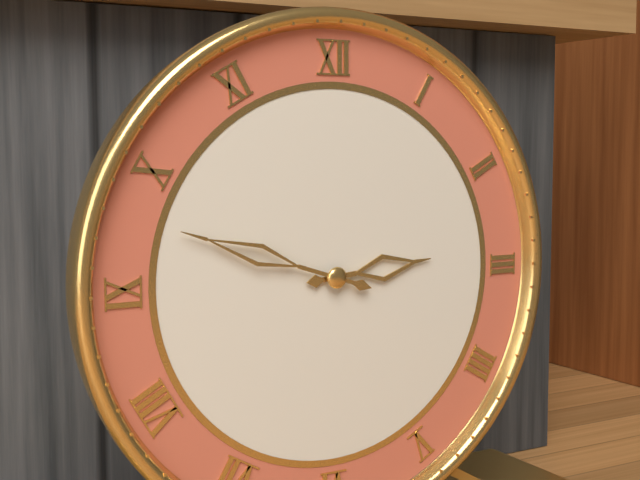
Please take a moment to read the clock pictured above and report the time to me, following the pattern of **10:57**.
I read **2:48**
